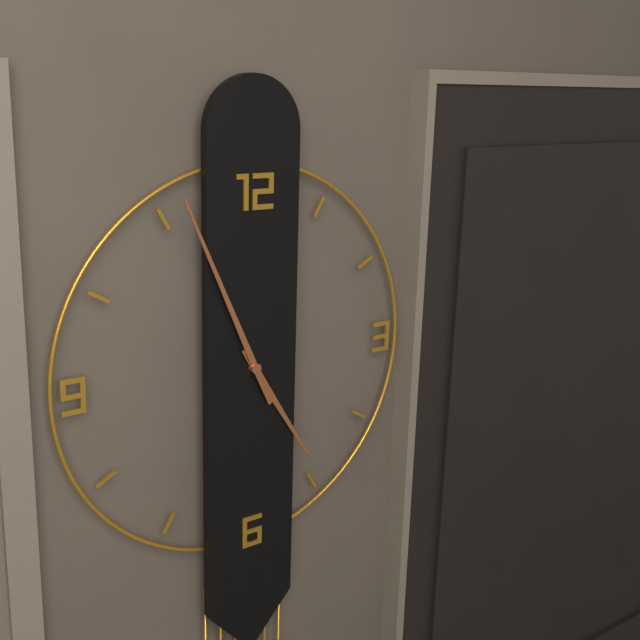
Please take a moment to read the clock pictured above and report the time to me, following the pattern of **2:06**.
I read **4:56**
